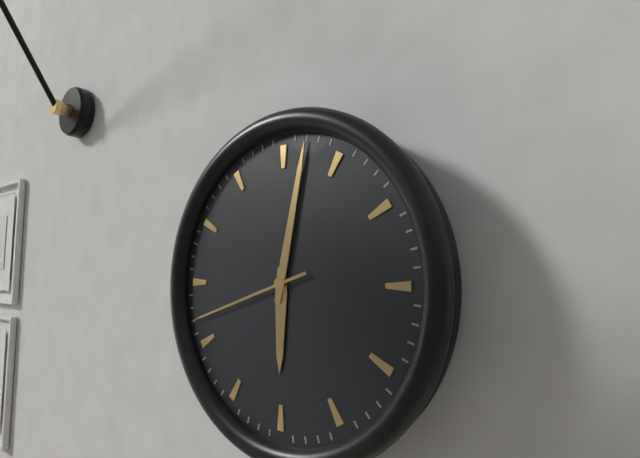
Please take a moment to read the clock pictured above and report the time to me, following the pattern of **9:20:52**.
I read **6:02:42**
